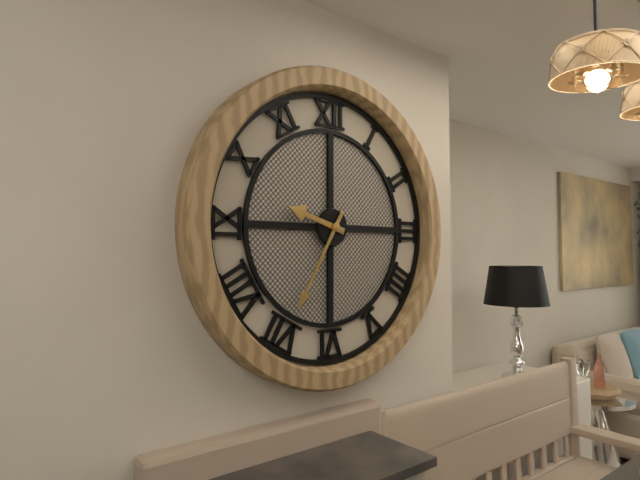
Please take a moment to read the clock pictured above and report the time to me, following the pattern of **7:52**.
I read **9:35**
